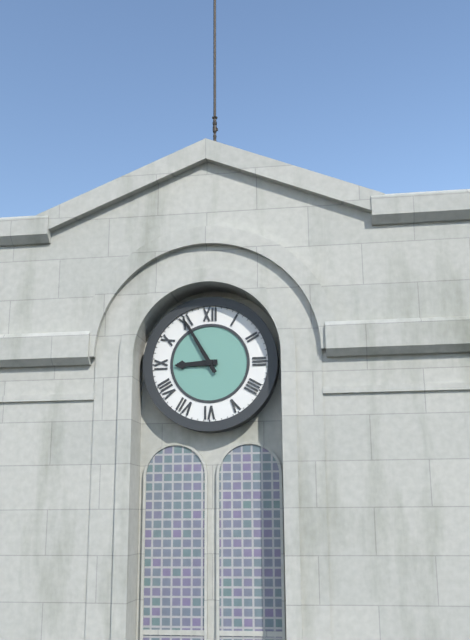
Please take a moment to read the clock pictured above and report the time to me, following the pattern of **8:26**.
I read **8:55**
